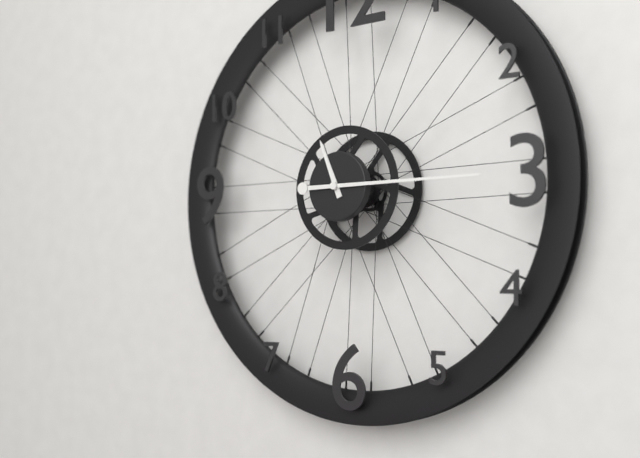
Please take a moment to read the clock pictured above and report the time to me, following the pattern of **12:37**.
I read **11:15**
